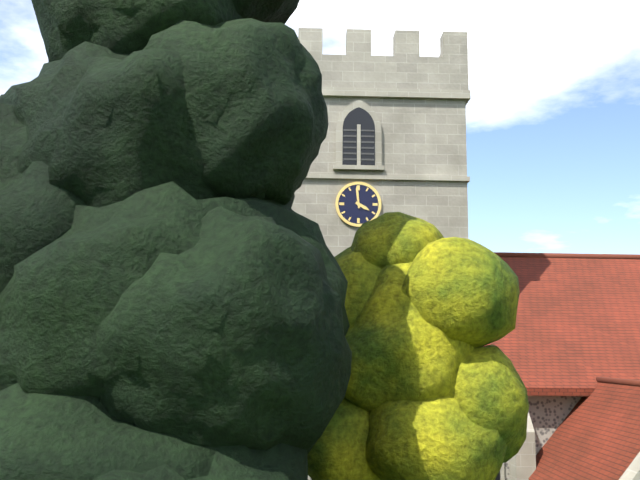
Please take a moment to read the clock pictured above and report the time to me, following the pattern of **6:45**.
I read **3:59**
